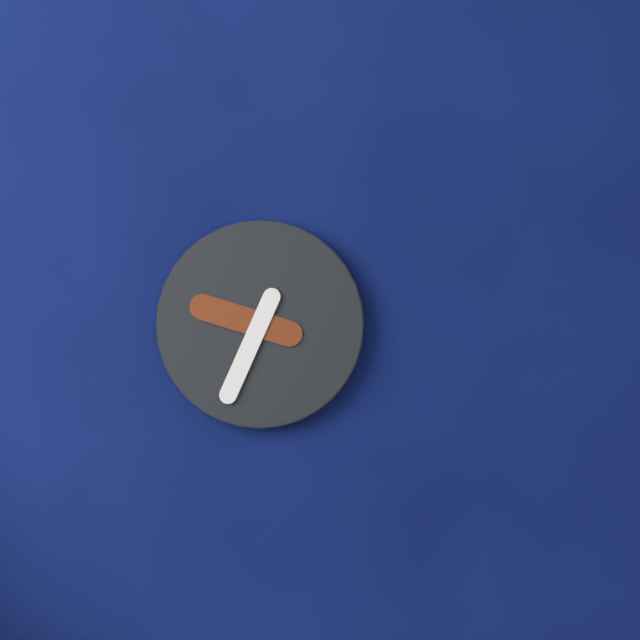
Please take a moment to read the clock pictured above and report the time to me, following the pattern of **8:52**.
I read **9:34**
